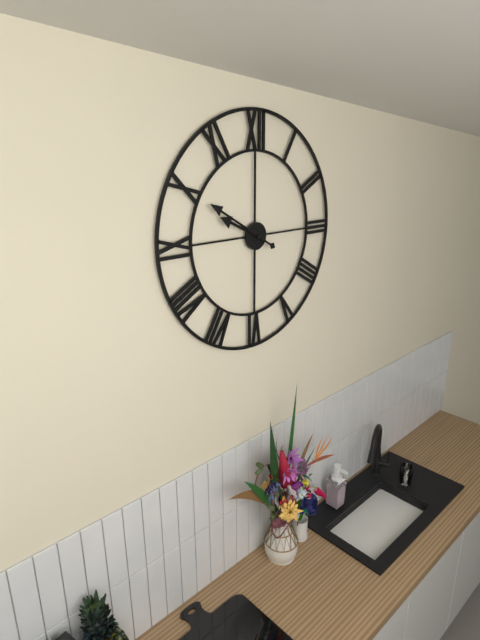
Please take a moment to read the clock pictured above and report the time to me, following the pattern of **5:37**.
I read **9:50**
